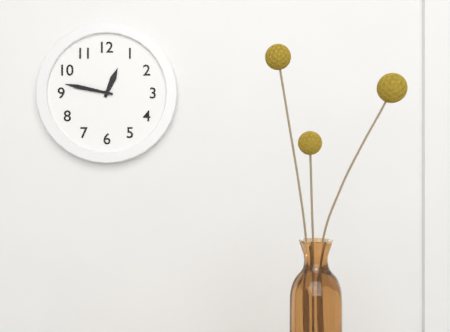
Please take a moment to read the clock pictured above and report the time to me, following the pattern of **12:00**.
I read **12:47**
